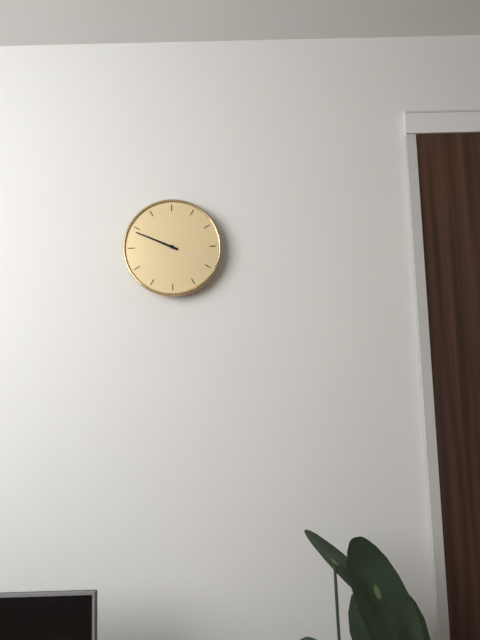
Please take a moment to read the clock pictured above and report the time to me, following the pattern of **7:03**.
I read **9:49**
